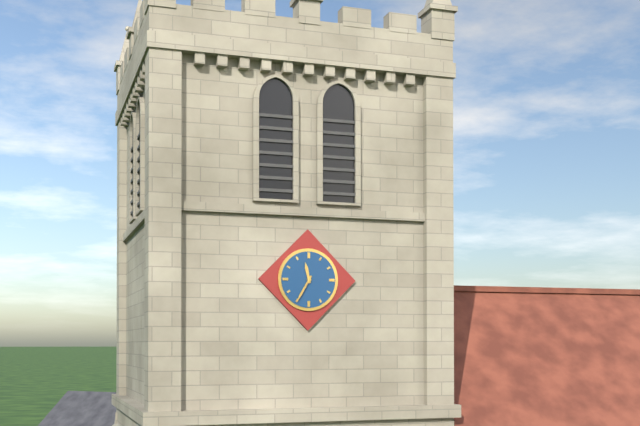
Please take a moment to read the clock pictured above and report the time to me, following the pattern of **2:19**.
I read **11:35**
